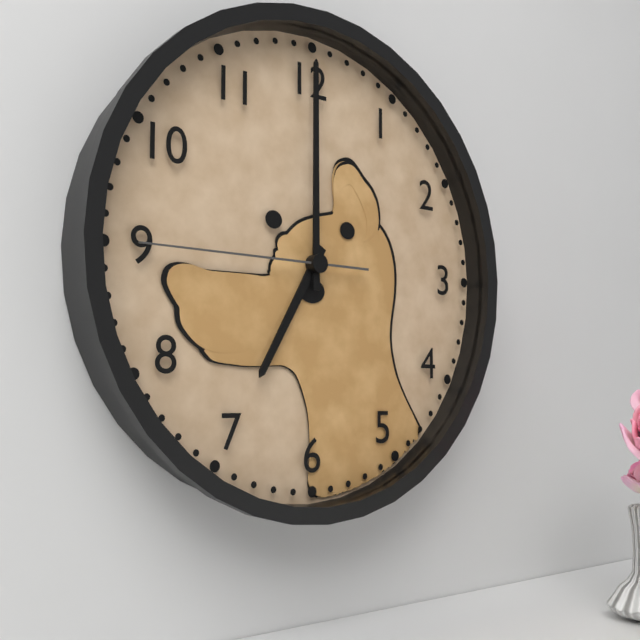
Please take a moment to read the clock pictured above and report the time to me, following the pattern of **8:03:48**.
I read **7:00:45**
